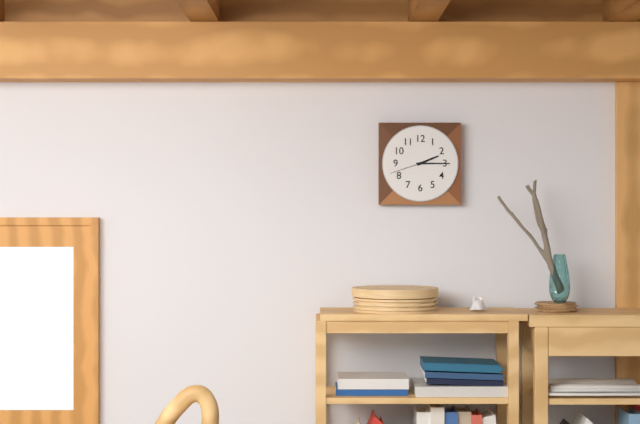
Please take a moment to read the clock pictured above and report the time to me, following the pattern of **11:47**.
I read **2:15**
